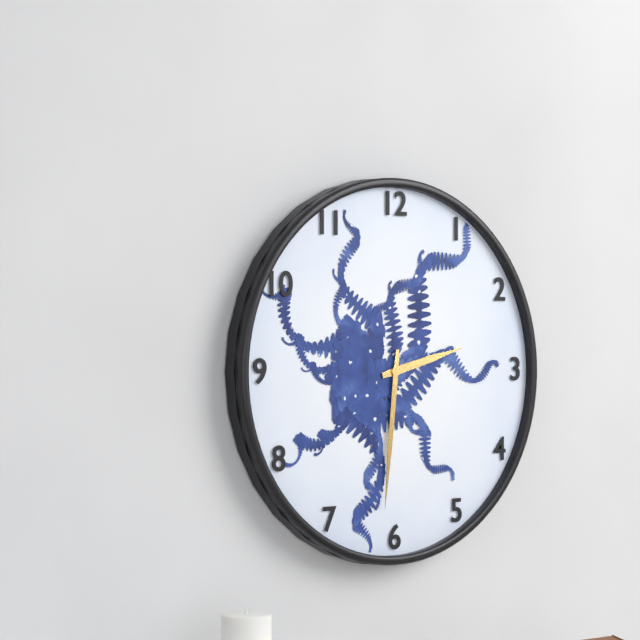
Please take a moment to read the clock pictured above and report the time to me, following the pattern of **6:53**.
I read **2:31**
